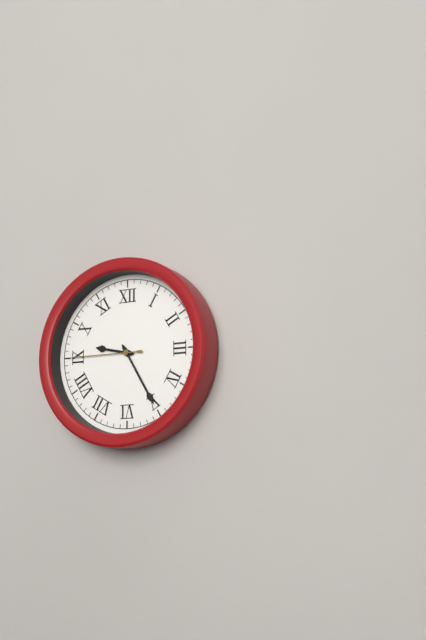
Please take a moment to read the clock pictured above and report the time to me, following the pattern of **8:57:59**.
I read **9:25:45**
